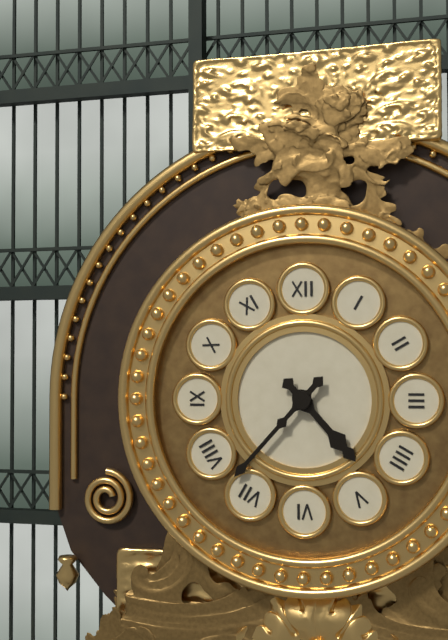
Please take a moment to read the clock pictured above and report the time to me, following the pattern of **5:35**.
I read **4:37**
